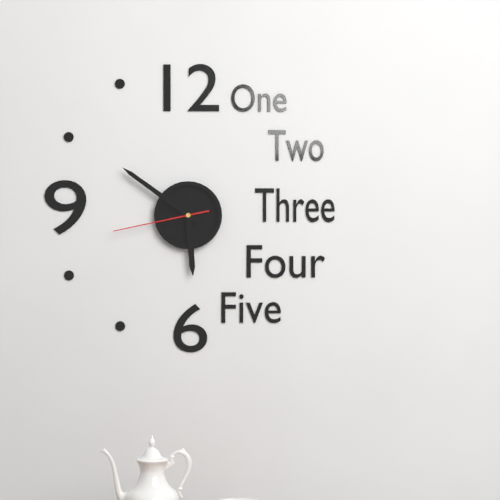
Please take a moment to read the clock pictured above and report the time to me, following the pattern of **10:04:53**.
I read **5:51:43**
